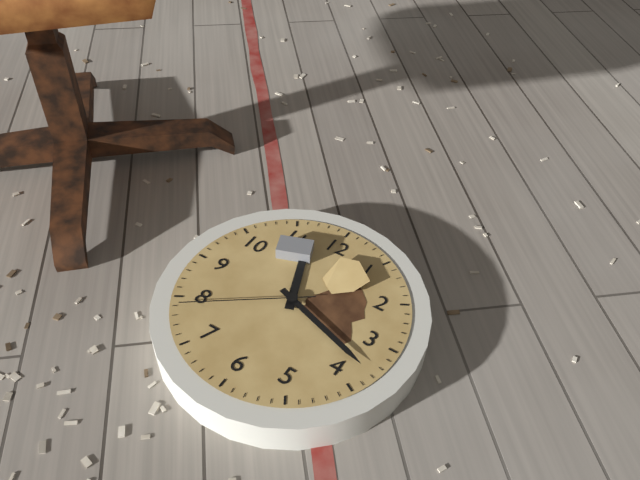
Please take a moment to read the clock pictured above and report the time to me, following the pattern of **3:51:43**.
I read **11:18:39**
